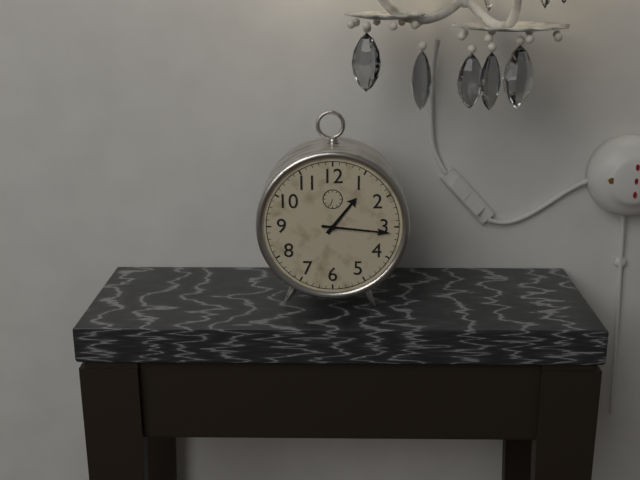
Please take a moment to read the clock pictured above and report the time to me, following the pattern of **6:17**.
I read **1:16**
